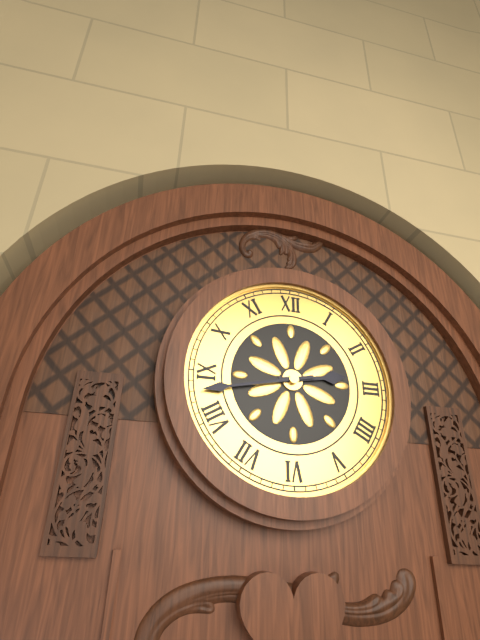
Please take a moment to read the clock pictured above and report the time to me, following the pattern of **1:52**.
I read **2:43**
